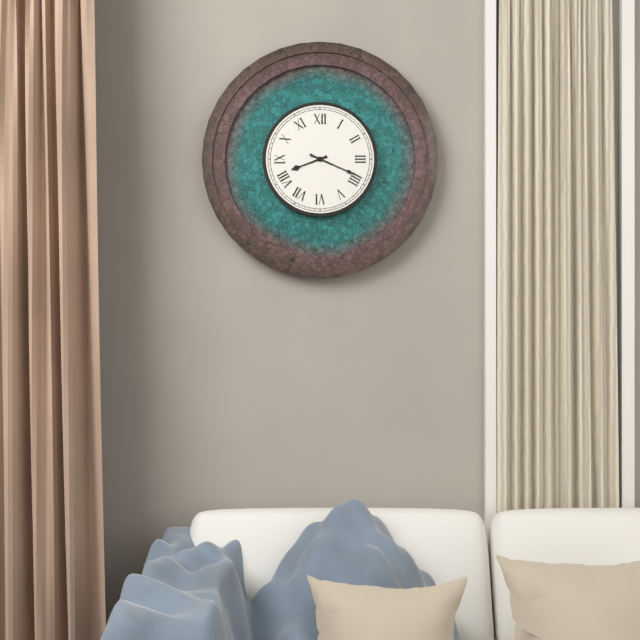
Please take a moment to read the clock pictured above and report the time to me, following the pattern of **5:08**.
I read **8:19**
